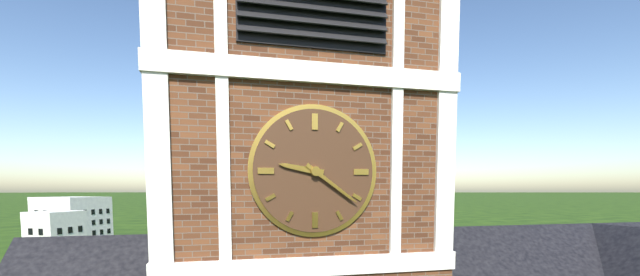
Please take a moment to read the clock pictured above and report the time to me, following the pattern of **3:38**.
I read **9:21**
